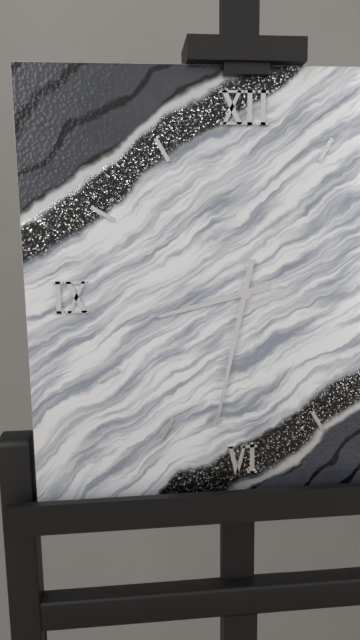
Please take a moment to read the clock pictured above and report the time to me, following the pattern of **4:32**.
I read **8:32**
